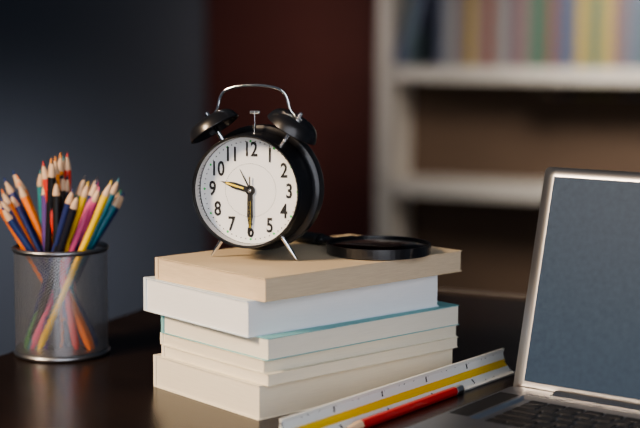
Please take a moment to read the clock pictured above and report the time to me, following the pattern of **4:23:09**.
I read **9:30:30**
